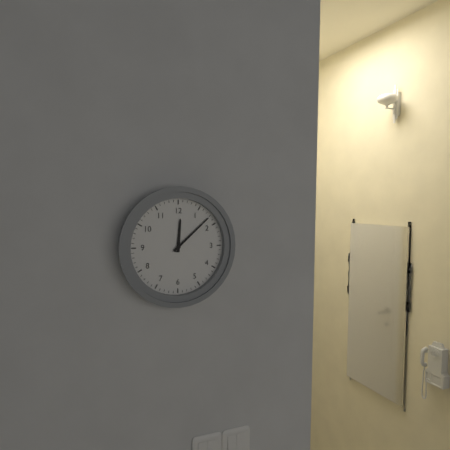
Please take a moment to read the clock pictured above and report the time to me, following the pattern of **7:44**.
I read **12:08**
